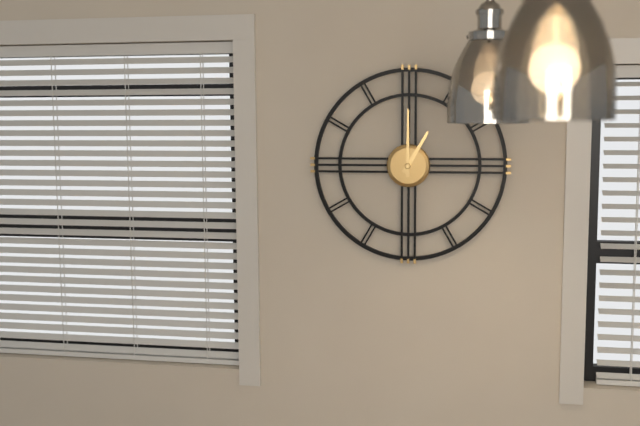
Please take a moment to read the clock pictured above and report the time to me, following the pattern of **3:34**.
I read **1:00**
